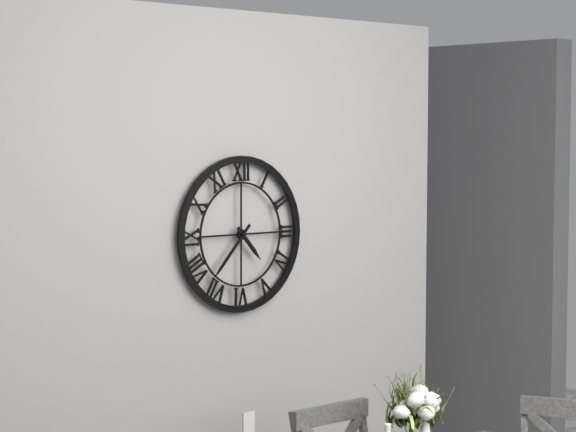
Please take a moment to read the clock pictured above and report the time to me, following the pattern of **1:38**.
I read **4:37**
